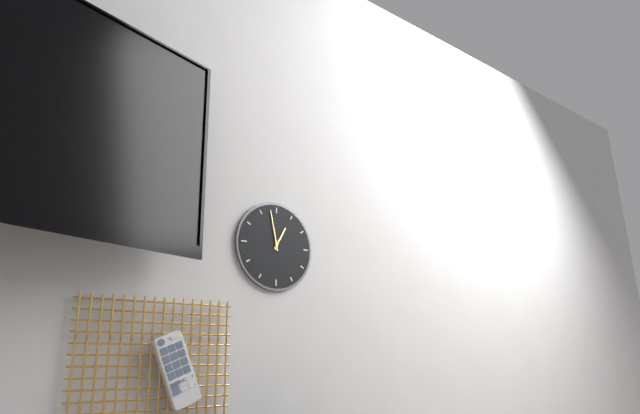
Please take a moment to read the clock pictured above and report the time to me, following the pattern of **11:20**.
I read **12:58**
